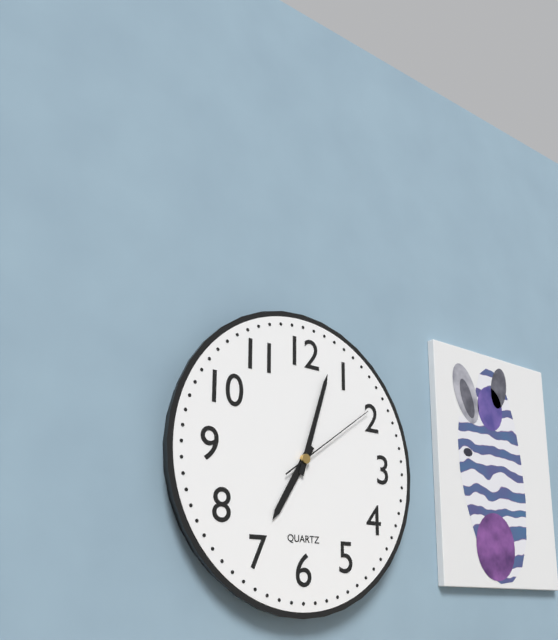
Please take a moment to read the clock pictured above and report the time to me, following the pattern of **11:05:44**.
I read **7:03:09**
